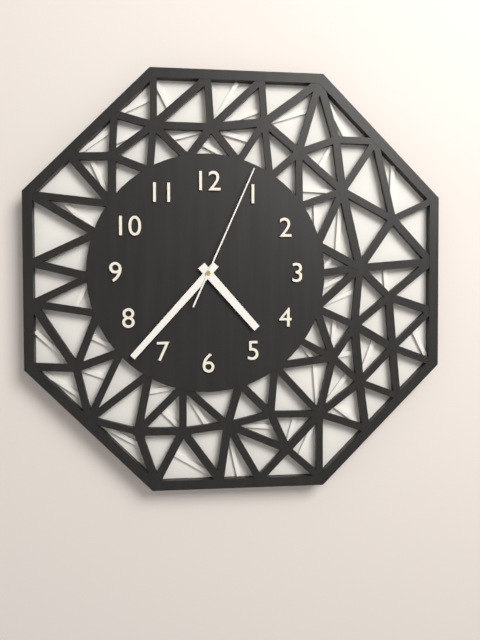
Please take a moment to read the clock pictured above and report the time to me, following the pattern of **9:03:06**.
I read **4:37:04**
